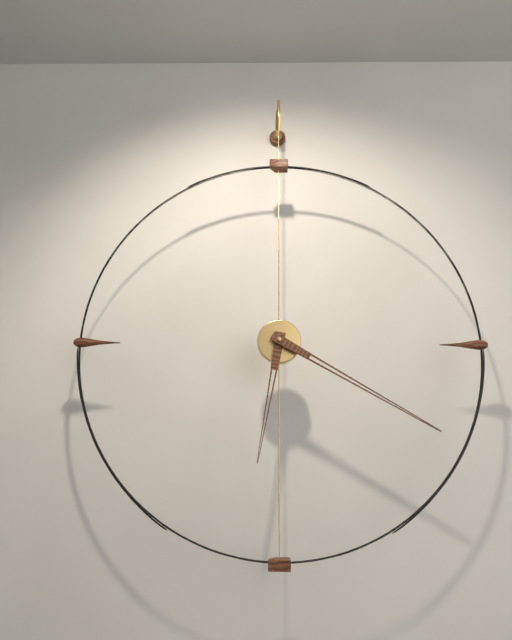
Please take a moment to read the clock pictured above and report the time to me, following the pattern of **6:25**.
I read **6:20**
